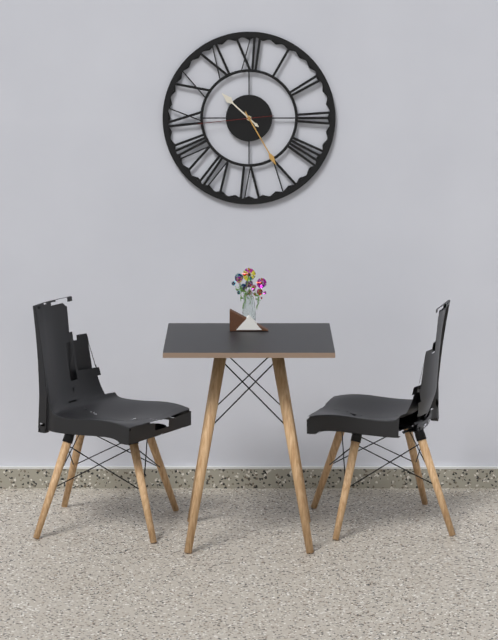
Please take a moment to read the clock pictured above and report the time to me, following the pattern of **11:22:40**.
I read **10:25:44**
